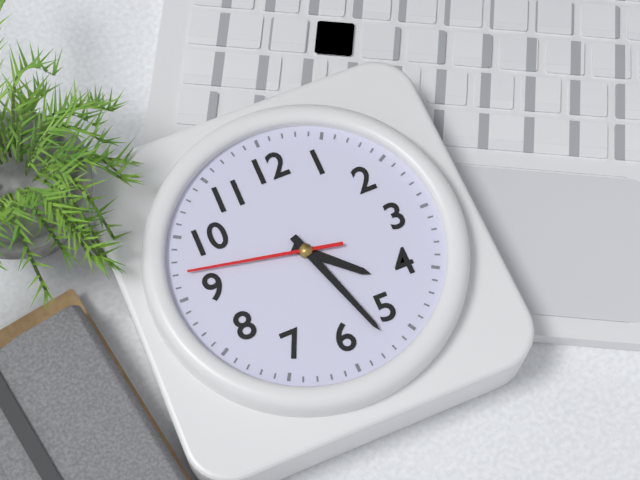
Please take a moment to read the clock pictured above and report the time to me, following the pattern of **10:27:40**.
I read **4:27:47**
